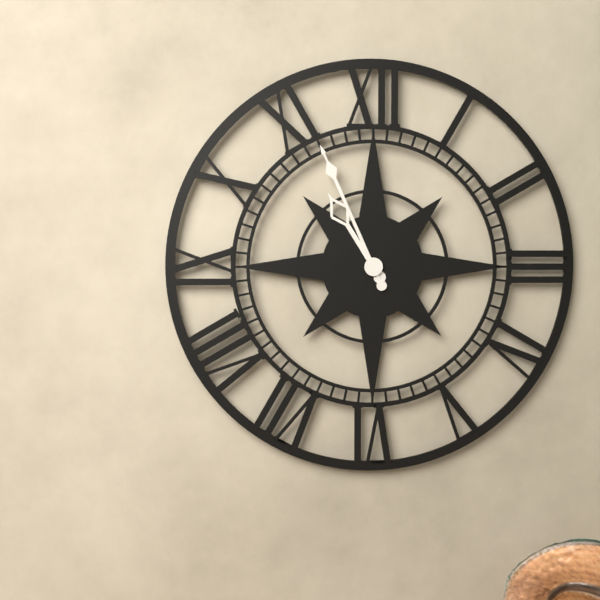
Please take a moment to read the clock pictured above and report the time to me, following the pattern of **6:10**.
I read **10:56**
